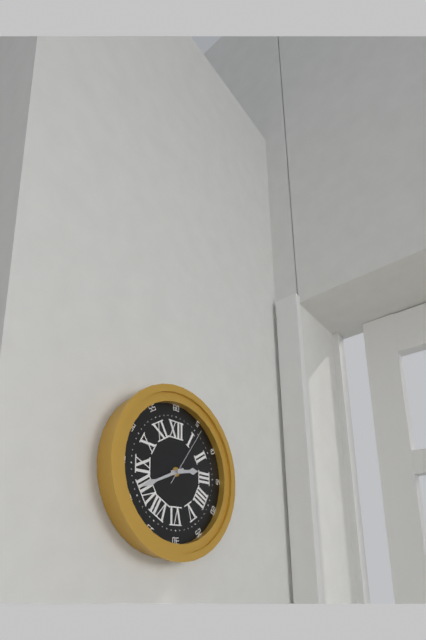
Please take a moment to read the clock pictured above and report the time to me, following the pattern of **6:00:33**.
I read **2:41:06**
